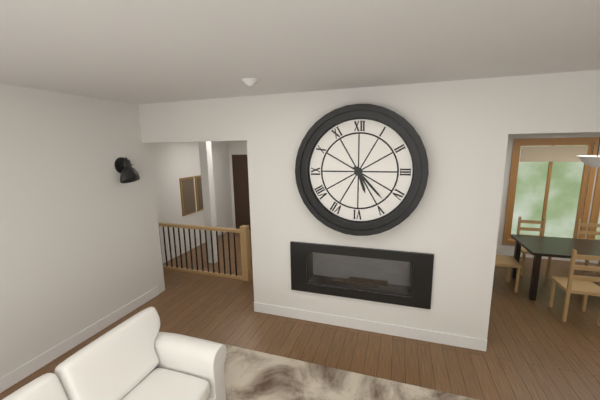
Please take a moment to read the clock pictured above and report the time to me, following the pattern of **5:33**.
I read **5:23**
